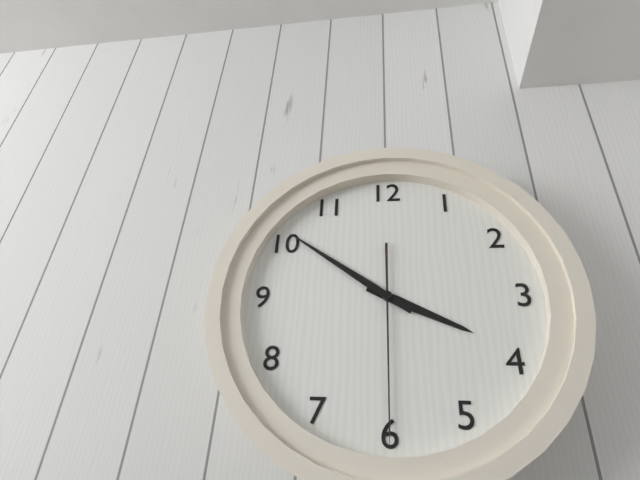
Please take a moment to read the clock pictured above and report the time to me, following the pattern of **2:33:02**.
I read **3:51:30**
